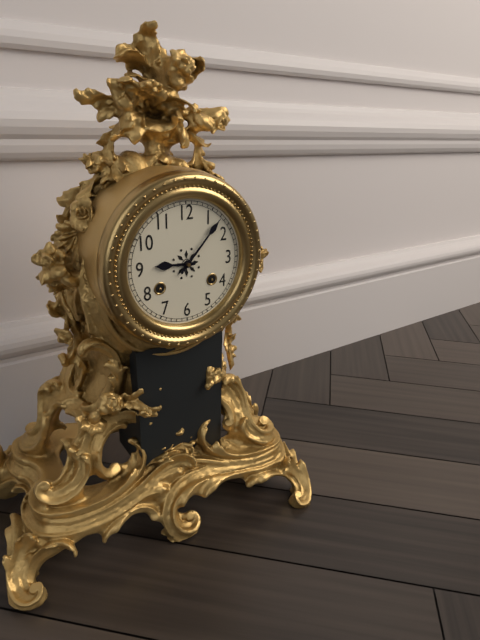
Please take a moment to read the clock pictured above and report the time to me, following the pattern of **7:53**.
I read **9:07**
